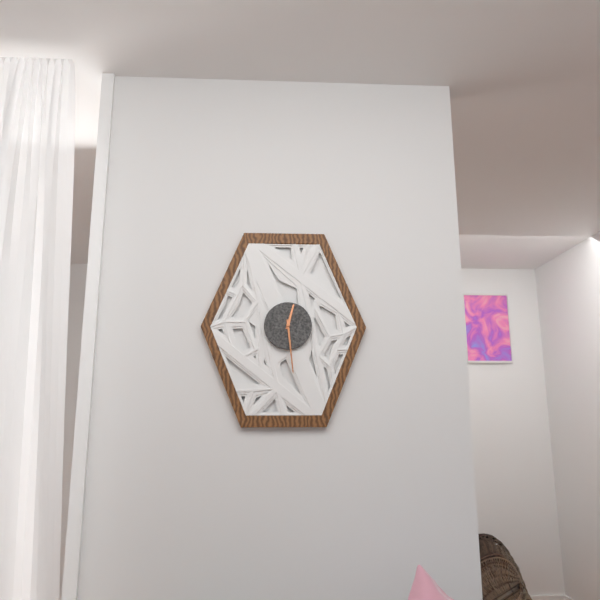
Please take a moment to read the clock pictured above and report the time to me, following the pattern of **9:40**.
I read **12:29**
